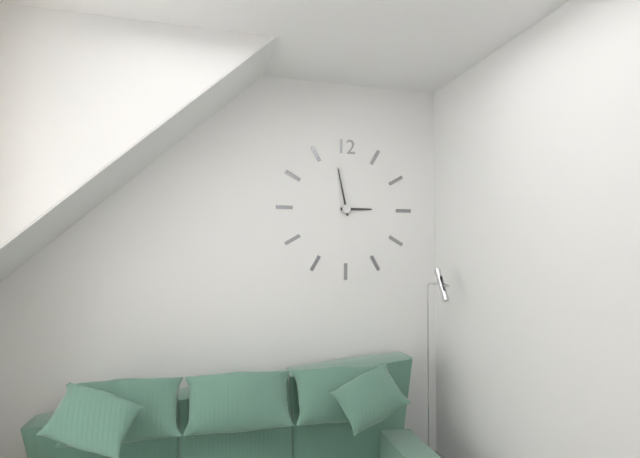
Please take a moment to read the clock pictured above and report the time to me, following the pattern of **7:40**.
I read **2:58**
